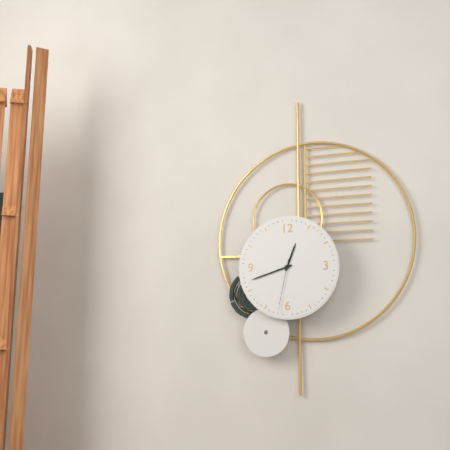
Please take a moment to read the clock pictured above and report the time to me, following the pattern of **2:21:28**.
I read **12:42:32**
